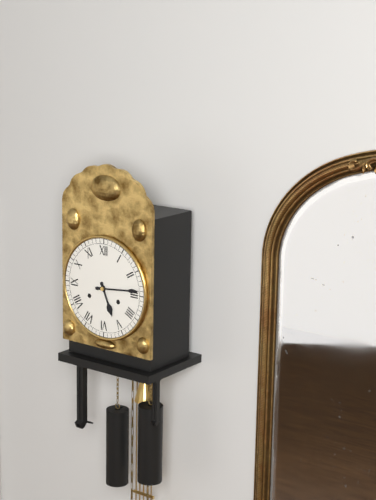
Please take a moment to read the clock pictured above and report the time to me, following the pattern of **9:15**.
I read **5:14**
